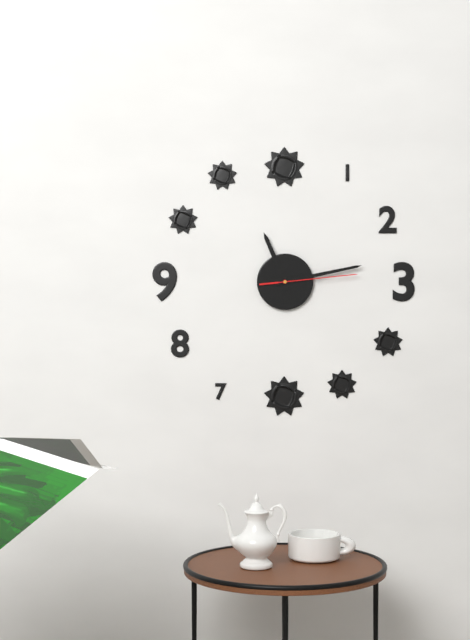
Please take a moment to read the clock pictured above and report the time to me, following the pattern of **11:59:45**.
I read **11:13:14**
